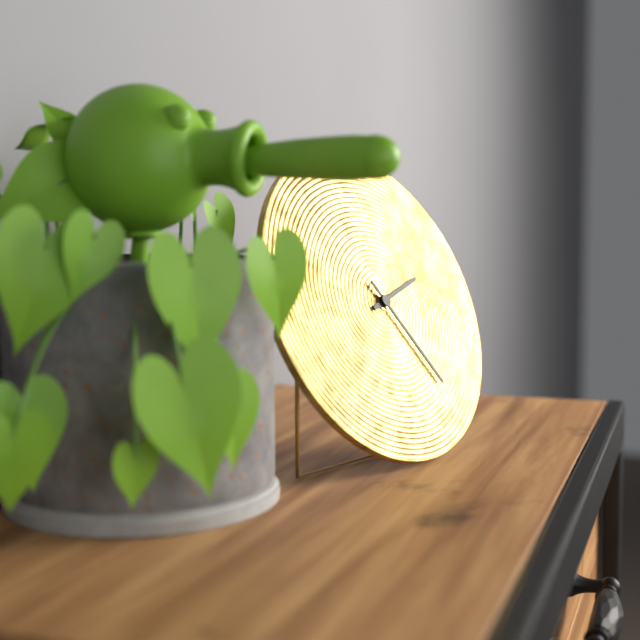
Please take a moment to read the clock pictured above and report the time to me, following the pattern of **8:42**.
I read **2:25**
